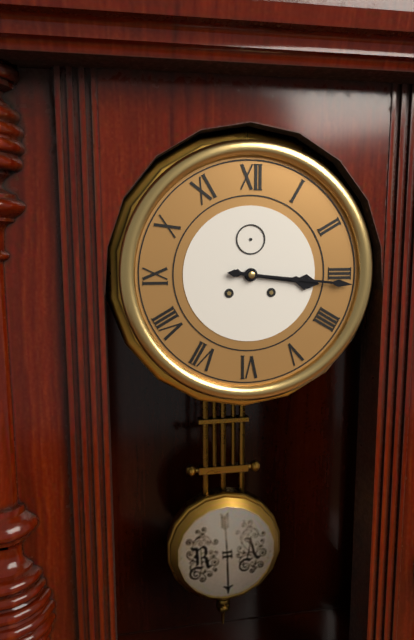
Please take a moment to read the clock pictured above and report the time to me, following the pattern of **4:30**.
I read **3:16**
